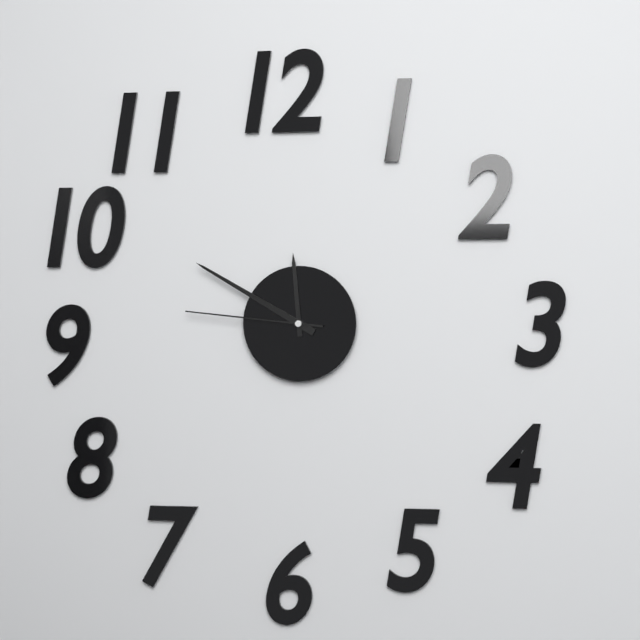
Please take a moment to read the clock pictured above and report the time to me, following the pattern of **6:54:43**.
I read **11:50:46**
